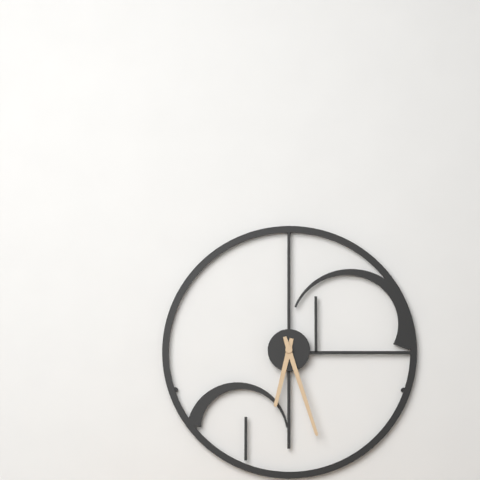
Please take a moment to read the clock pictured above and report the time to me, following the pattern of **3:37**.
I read **6:27**
